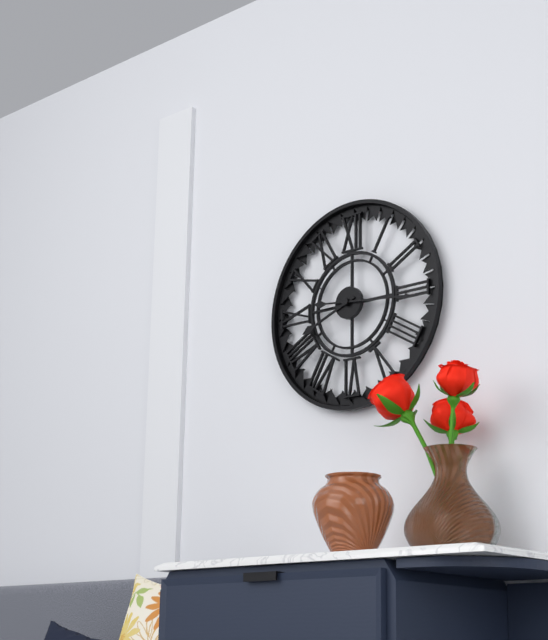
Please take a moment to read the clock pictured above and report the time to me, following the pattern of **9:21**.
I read **8:16**
